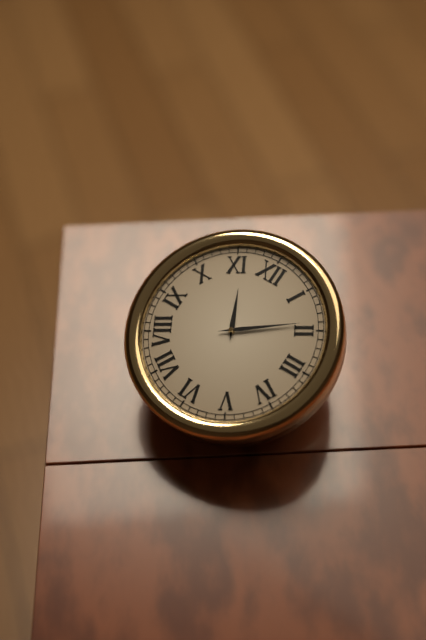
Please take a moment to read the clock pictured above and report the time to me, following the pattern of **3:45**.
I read **11:09**
